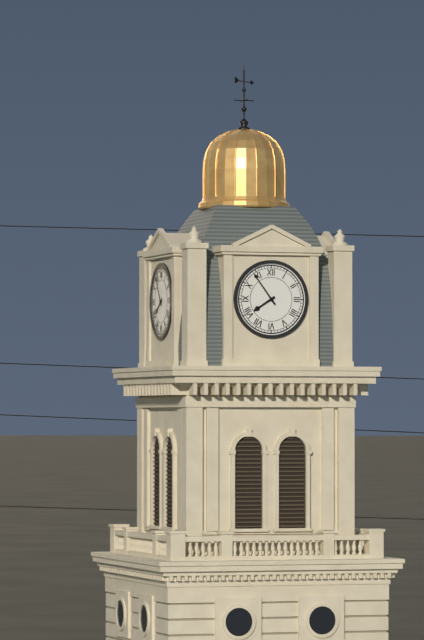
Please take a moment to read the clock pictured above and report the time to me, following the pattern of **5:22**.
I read **7:54**
